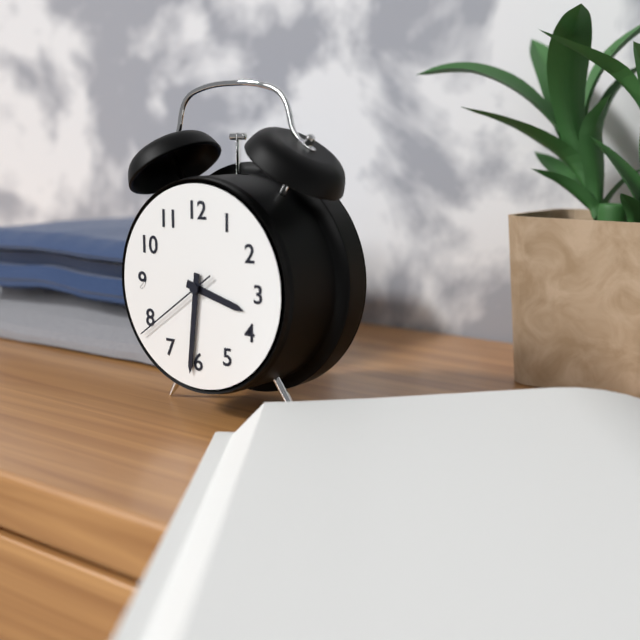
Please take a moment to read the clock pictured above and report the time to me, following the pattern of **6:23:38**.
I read **3:31:39**
